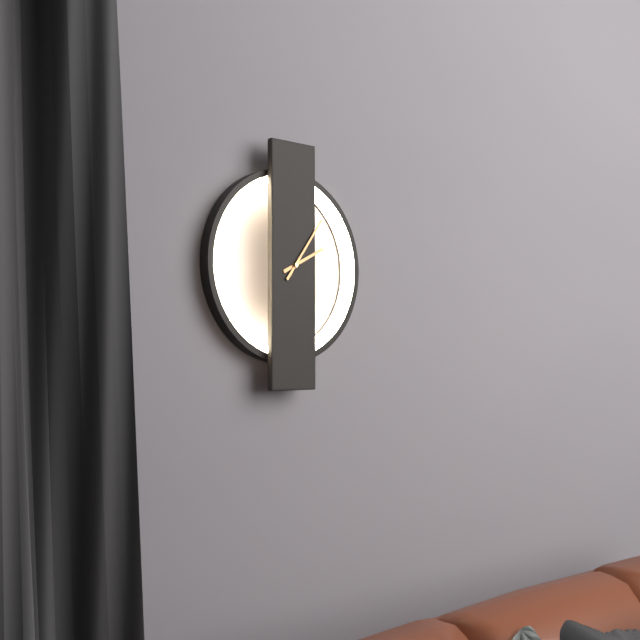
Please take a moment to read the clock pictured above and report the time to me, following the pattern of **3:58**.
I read **2:06**
